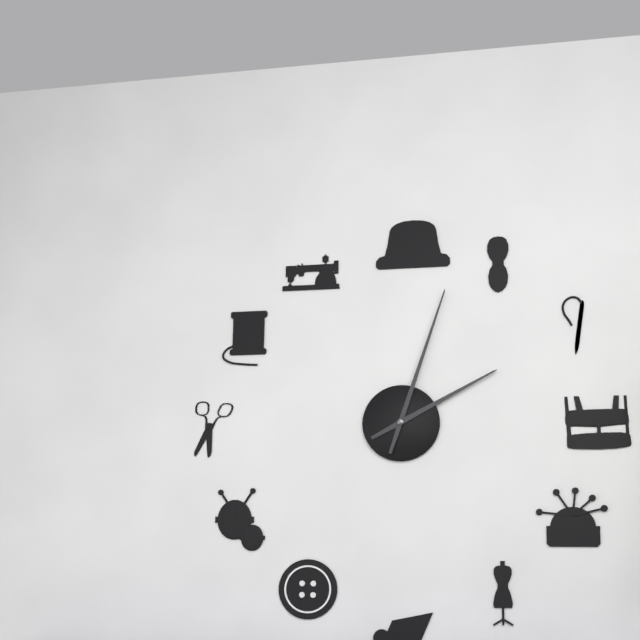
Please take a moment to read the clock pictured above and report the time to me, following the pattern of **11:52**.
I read **2:03**
